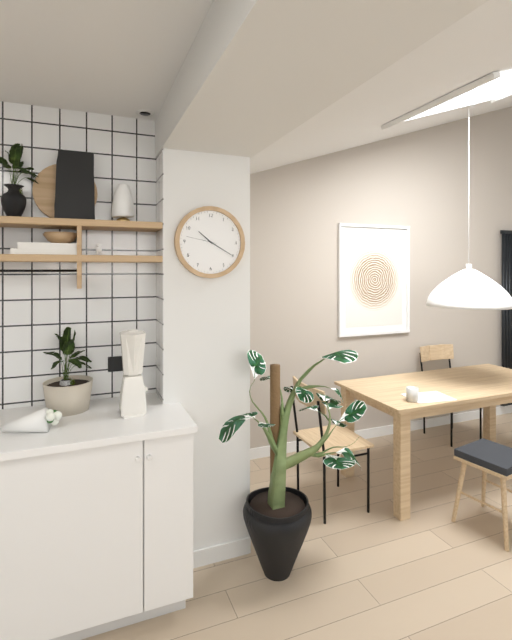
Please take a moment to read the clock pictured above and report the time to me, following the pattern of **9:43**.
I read **10:20**
